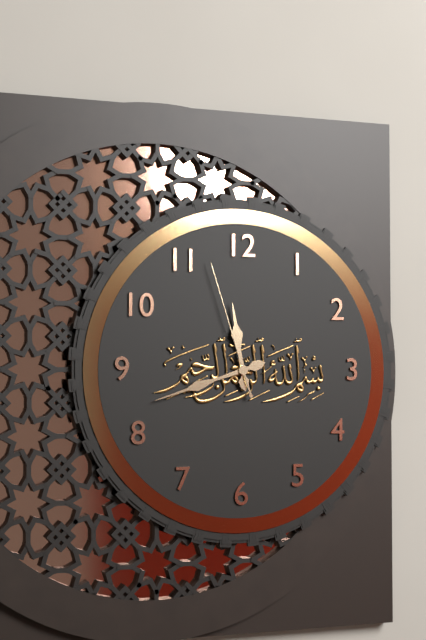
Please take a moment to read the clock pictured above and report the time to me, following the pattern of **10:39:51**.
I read **11:42:57**
